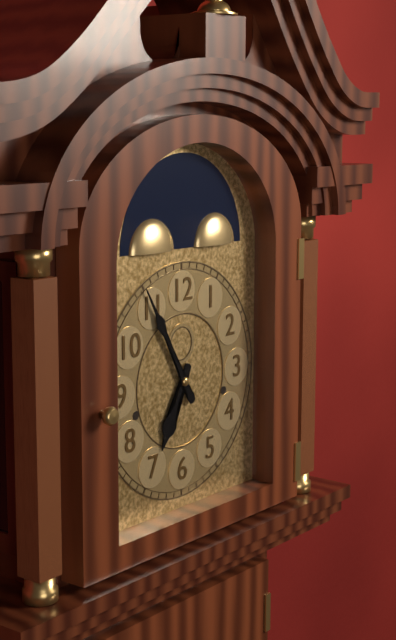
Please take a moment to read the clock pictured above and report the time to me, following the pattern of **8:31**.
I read **6:55**
